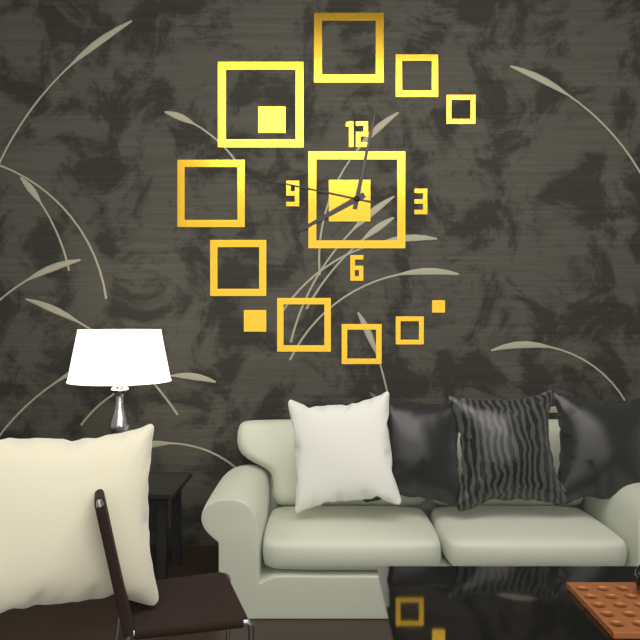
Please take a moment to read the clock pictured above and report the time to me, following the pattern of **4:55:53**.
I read **8:02:47**
